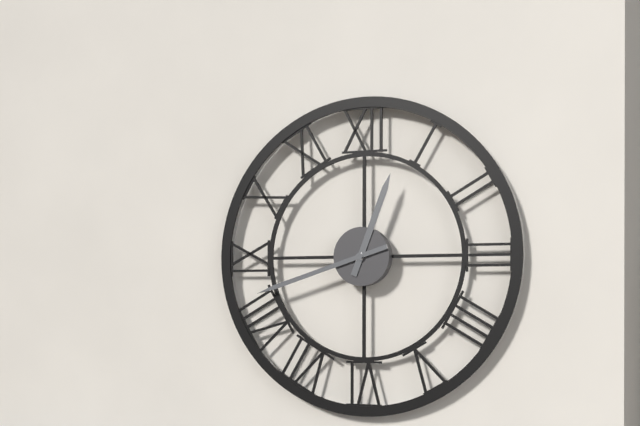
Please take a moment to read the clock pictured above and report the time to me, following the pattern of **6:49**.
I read **12:42**
